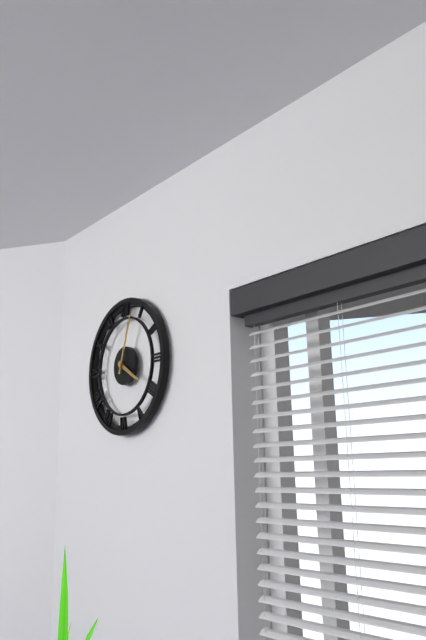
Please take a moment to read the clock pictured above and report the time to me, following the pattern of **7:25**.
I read **4:03**
